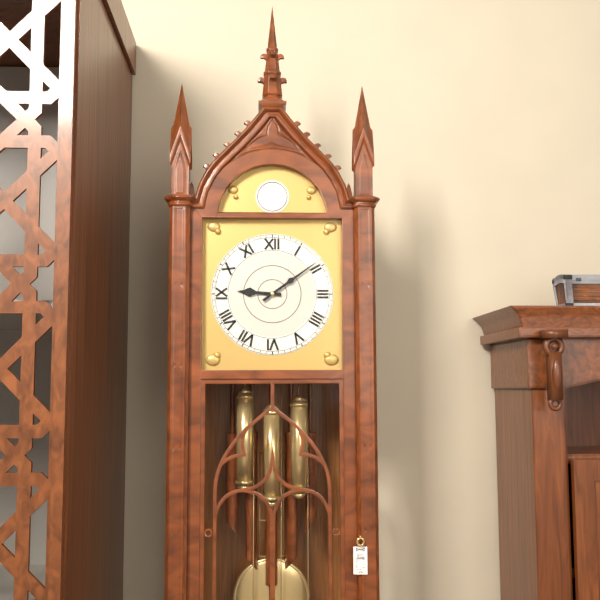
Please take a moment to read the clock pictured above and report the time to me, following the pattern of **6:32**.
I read **9:09**
